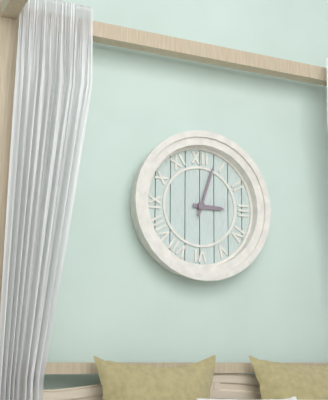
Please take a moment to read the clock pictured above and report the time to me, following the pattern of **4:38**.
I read **3:03**
